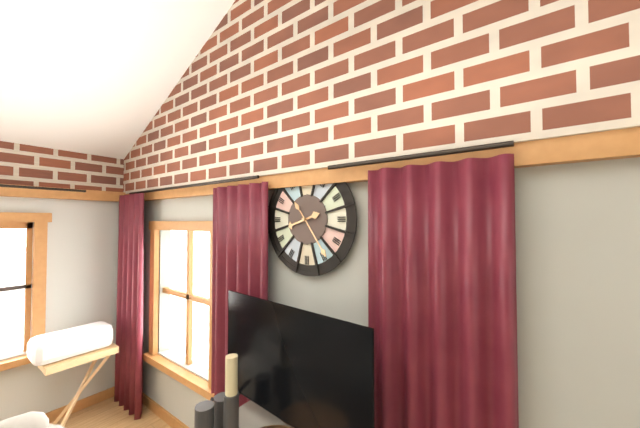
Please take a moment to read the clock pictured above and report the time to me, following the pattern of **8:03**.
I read **8:24**
